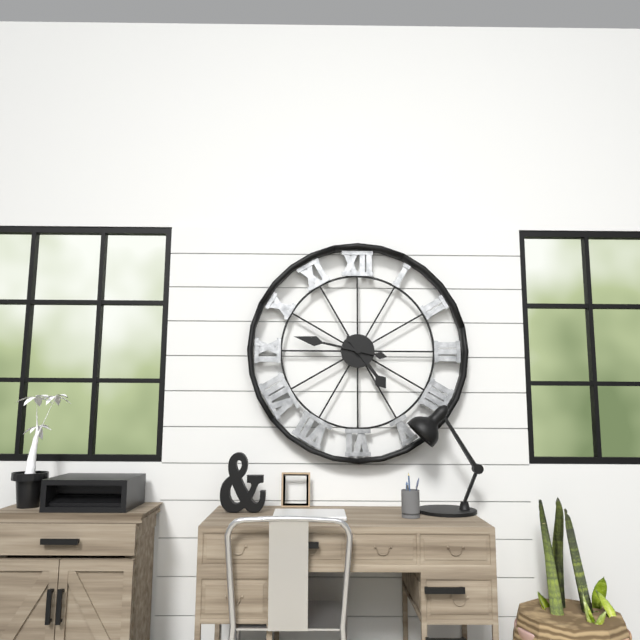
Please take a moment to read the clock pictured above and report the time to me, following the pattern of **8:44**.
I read **4:47**
